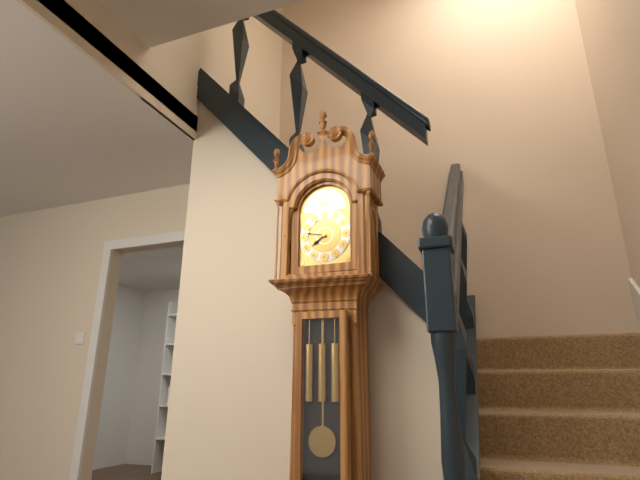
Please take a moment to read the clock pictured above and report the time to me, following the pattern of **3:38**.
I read **7:47**
